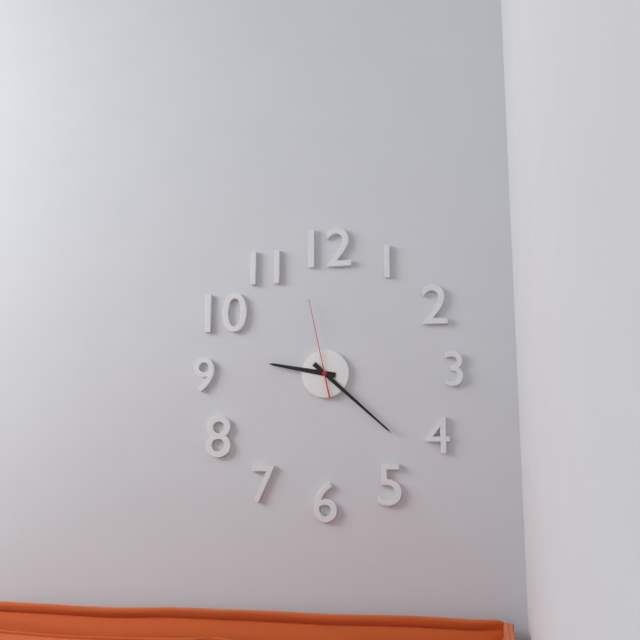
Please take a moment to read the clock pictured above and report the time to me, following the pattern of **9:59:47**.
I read **9:22:58**
